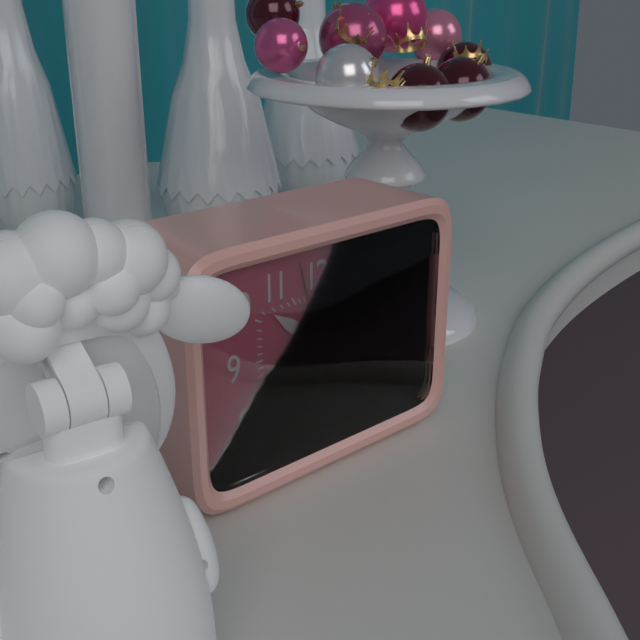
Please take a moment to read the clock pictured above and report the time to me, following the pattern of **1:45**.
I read **10:17**
